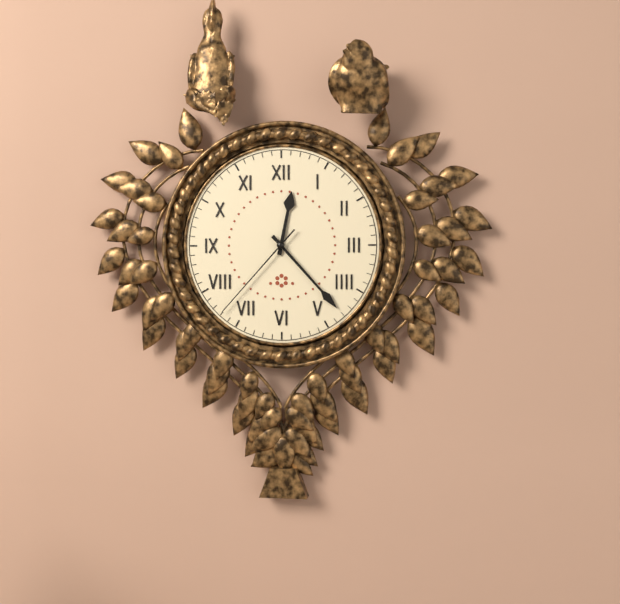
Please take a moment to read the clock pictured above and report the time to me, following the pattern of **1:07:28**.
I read **12:23:37**
